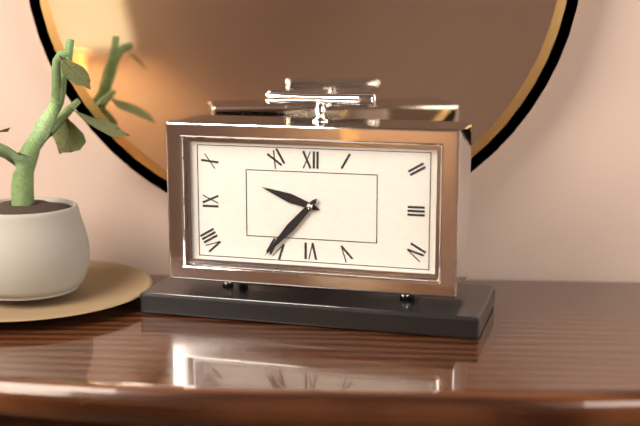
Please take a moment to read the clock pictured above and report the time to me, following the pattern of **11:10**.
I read **9:37**
